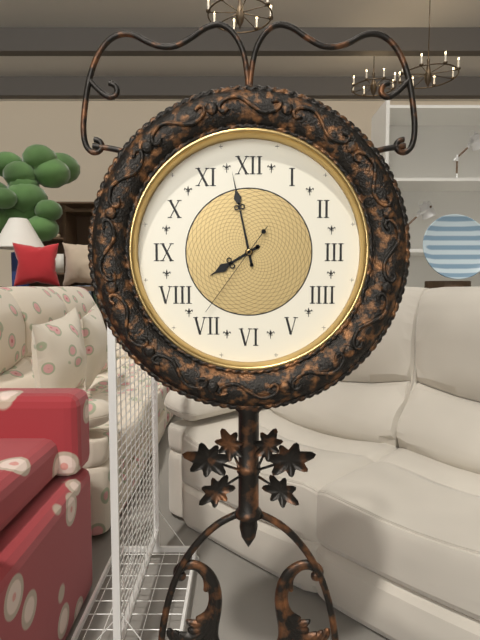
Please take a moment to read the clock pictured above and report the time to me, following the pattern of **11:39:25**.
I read **7:58:36**
